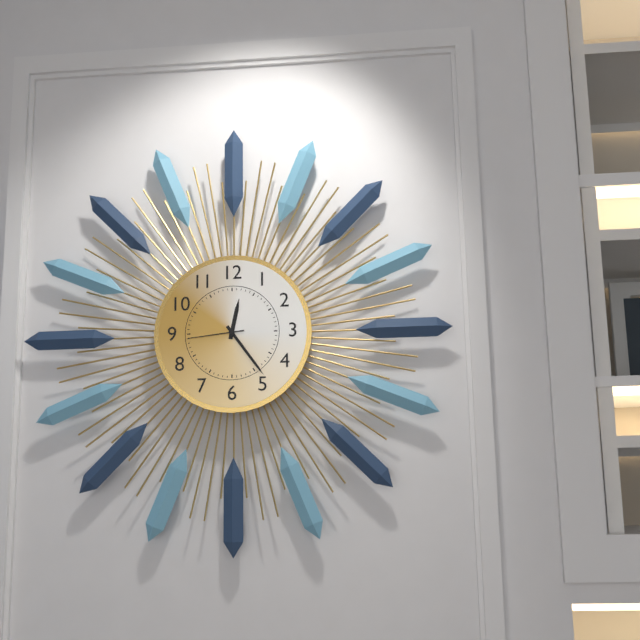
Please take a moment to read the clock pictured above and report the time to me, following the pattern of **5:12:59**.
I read **12:24:44**
